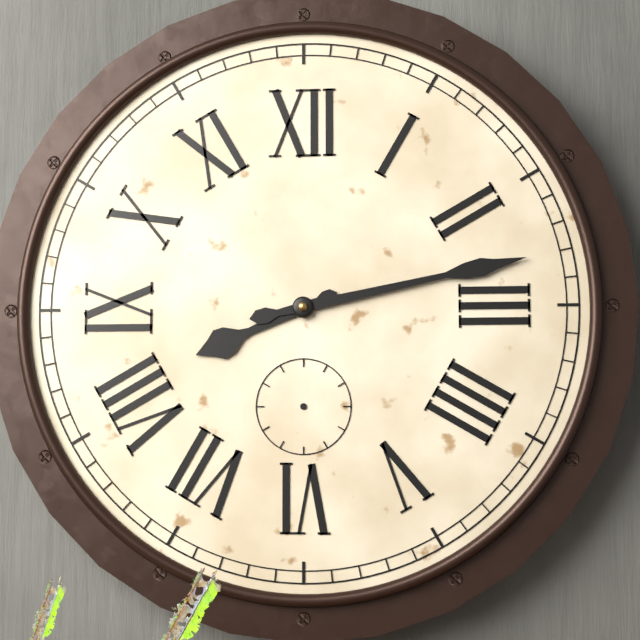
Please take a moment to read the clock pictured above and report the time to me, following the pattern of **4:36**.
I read **8:13**
